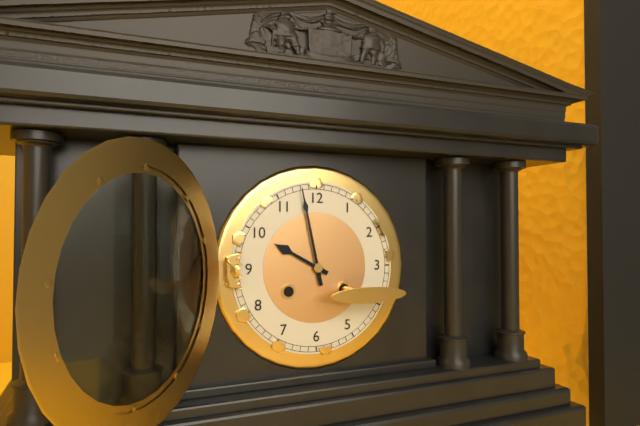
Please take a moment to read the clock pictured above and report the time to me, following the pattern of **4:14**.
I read **9:58**
